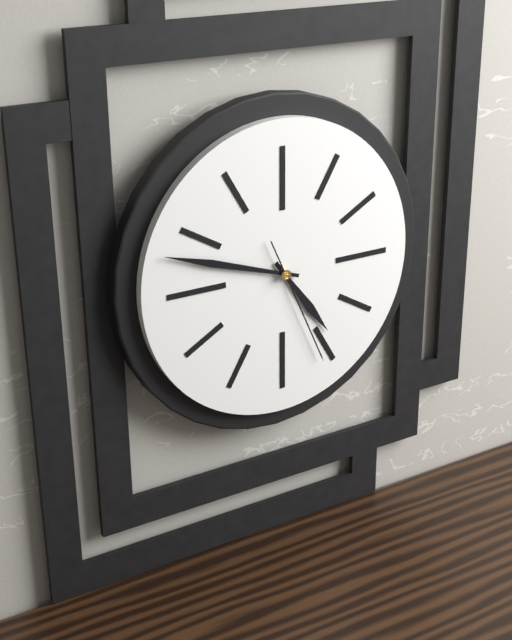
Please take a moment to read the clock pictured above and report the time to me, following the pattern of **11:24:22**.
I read **4:48:26**
